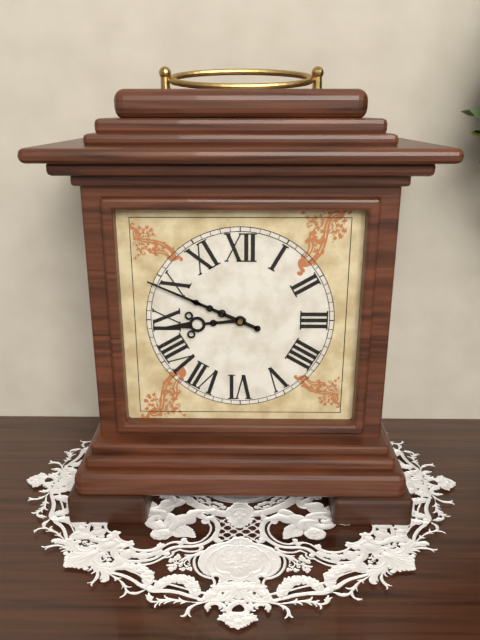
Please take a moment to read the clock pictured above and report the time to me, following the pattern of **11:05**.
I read **8:49**
